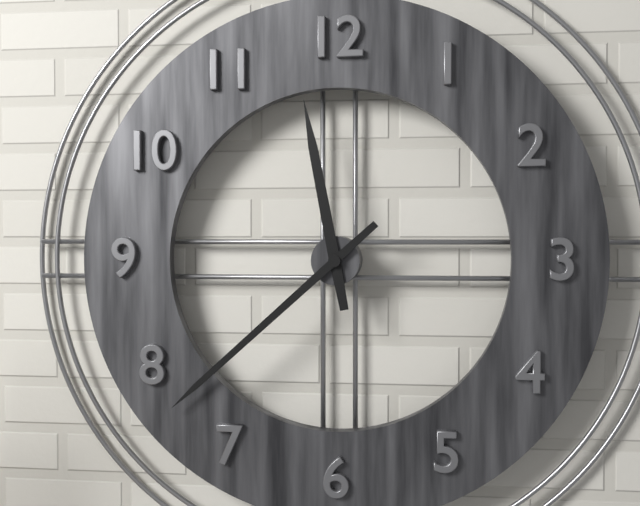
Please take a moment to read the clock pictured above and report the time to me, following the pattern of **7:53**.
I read **11:38**
